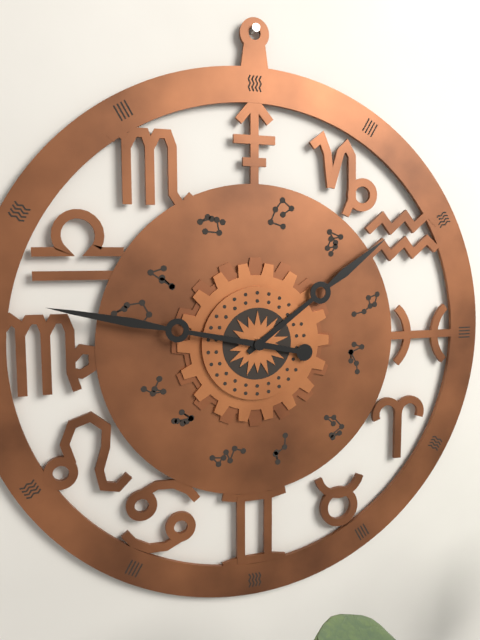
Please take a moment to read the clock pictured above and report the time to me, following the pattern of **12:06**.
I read **1:47**
